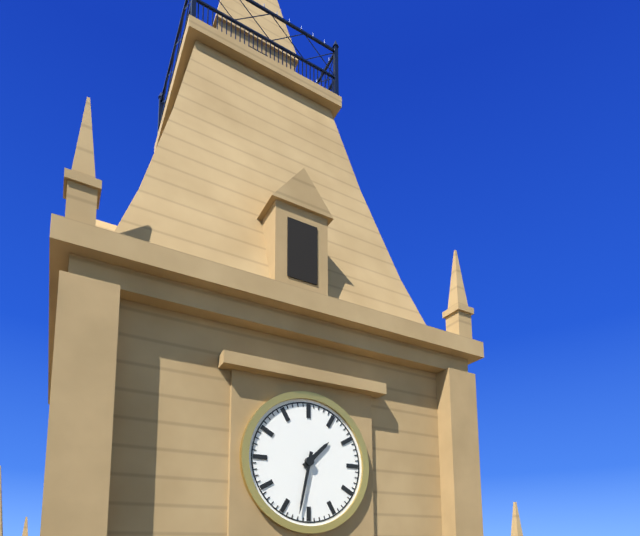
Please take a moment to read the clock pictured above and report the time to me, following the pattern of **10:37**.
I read **1:32**
